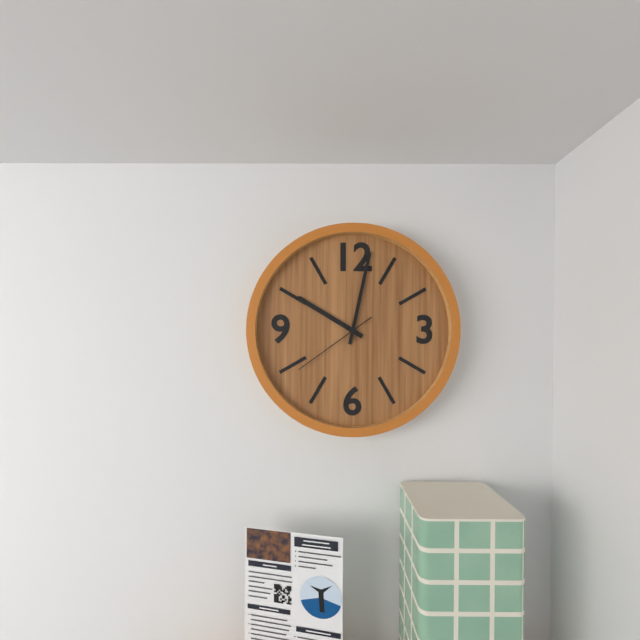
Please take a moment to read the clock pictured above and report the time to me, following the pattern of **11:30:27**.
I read **10:02:39**
